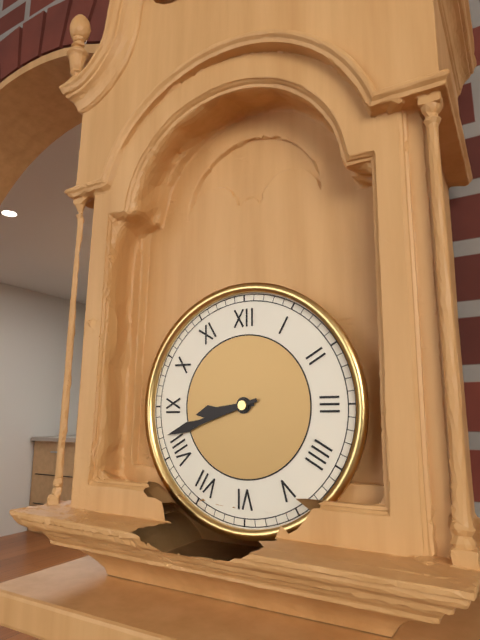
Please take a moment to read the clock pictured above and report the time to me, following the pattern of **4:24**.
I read **8:42**
